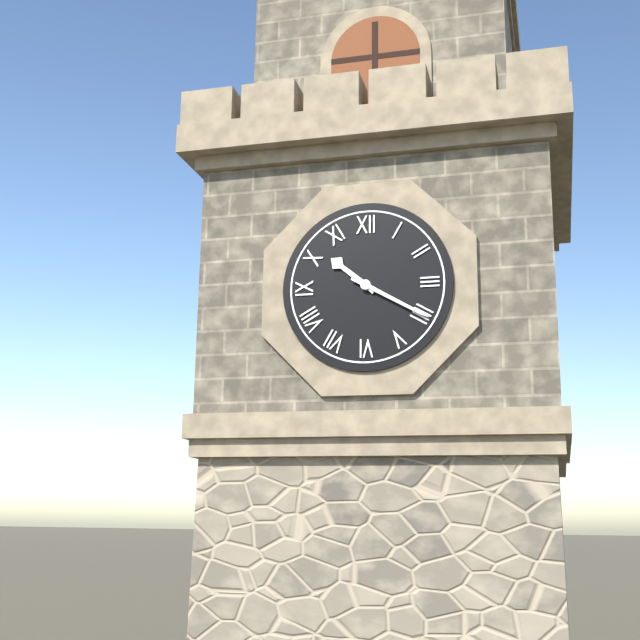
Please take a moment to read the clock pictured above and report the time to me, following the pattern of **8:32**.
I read **10:20**
